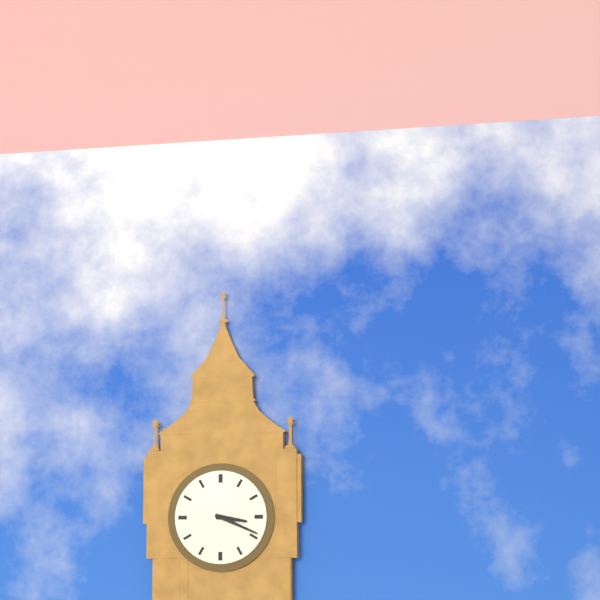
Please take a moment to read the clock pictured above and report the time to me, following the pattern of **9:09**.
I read **3:19**
